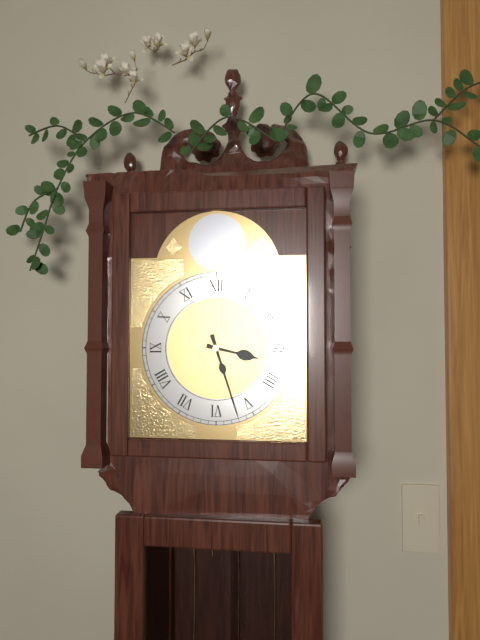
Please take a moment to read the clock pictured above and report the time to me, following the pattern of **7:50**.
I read **3:27**
